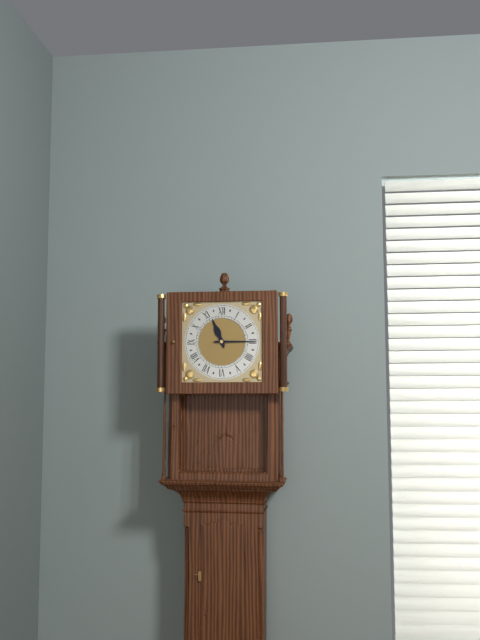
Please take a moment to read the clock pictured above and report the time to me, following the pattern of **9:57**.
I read **11:15**
